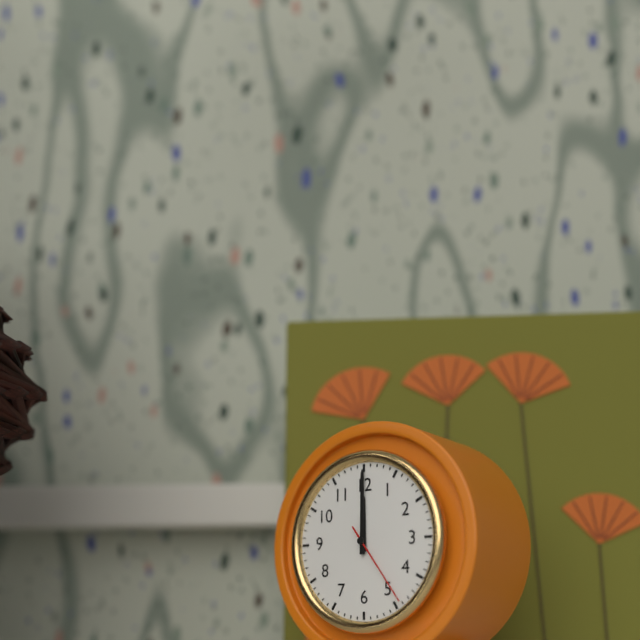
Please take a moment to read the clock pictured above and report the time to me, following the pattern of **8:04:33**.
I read **12:00:24**
